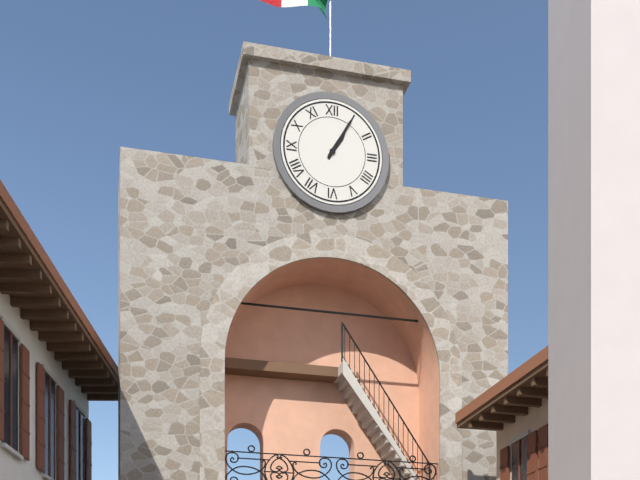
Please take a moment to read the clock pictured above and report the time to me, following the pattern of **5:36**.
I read **1:05**
